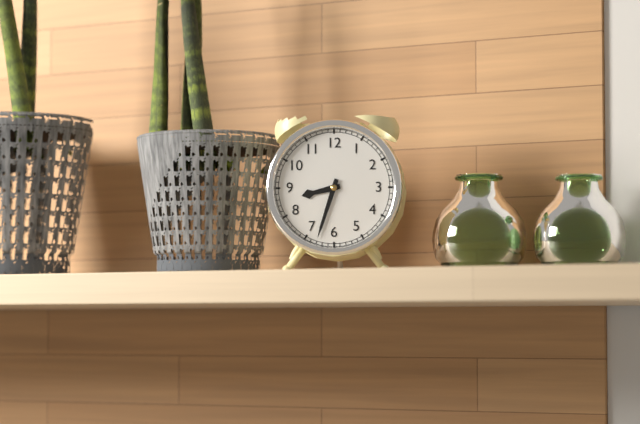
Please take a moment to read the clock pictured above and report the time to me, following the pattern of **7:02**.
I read **8:33**
